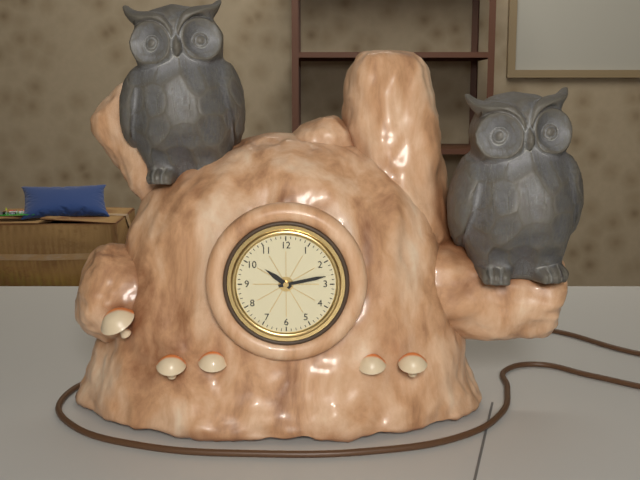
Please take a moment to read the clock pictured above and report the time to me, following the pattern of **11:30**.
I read **10:13**
